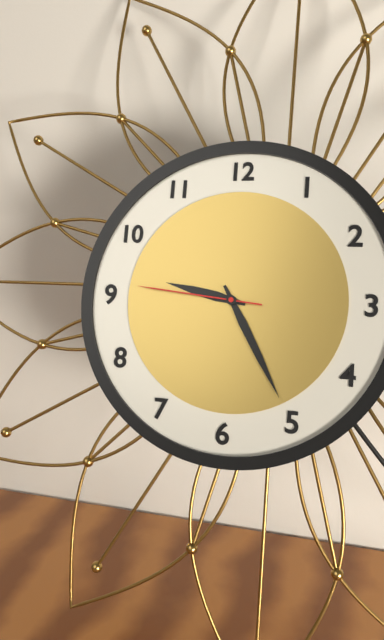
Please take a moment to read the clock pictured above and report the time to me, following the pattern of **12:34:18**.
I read **9:25:46**
